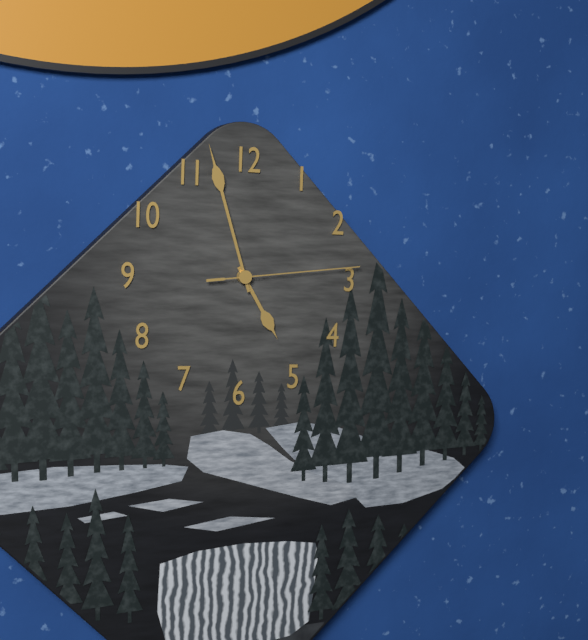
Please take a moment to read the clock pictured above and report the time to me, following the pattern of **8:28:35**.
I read **4:57:14**
